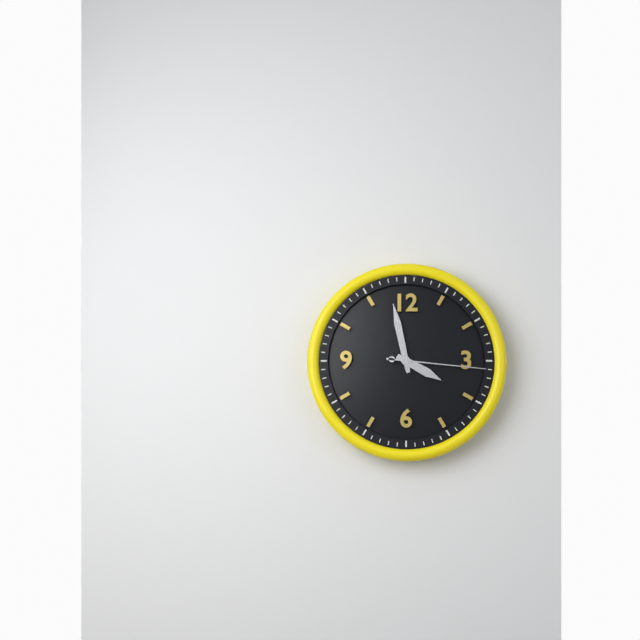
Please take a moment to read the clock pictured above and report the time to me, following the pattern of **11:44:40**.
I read **3:58:16**
